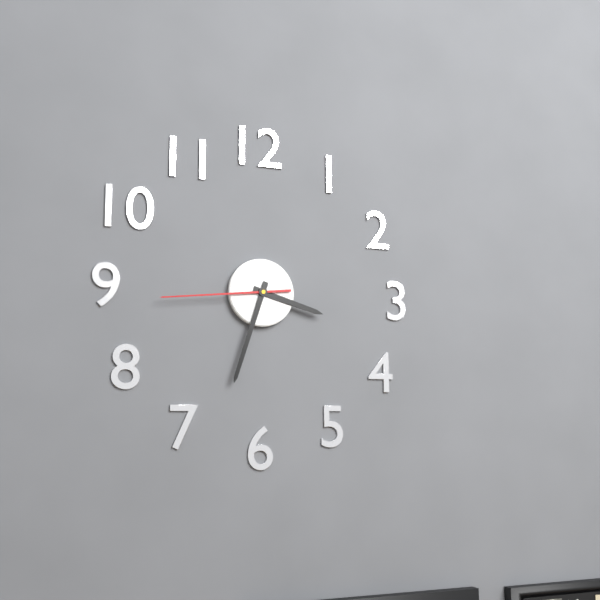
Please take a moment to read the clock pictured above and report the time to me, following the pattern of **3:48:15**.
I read **3:33:44**
